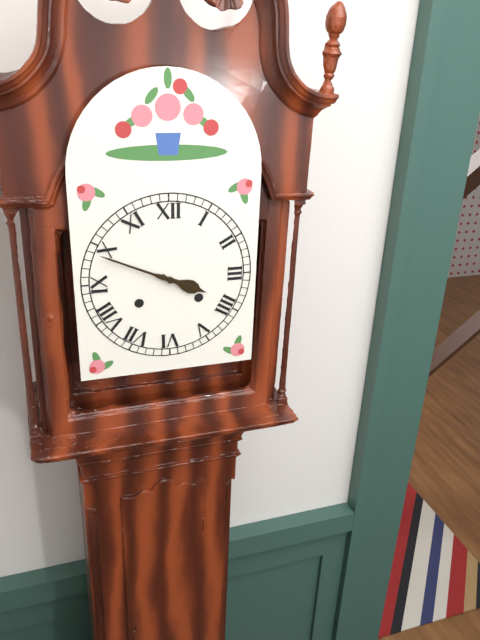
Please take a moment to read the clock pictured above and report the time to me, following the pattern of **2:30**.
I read **3:49**
